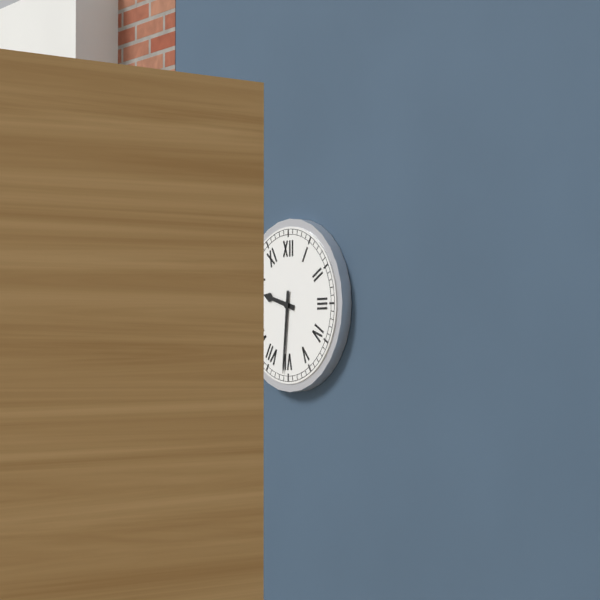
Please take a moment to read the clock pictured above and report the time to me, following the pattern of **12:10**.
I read **9:31**
